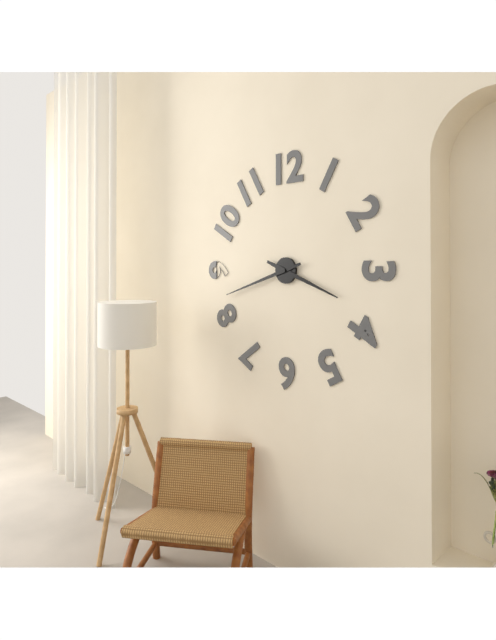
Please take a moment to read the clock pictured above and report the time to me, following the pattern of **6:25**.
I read **3:42**
